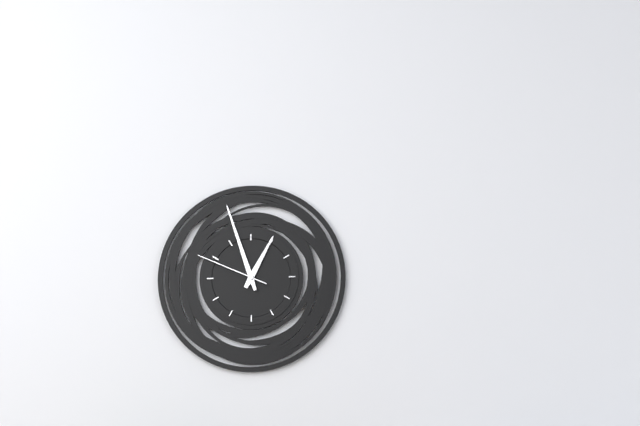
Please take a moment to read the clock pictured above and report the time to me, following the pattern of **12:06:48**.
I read **12:57:49**
